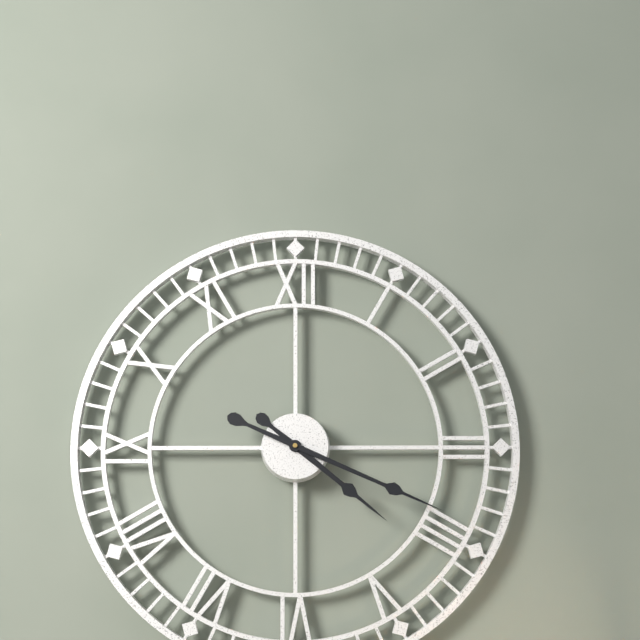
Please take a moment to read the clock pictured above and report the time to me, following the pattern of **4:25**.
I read **4:19**
